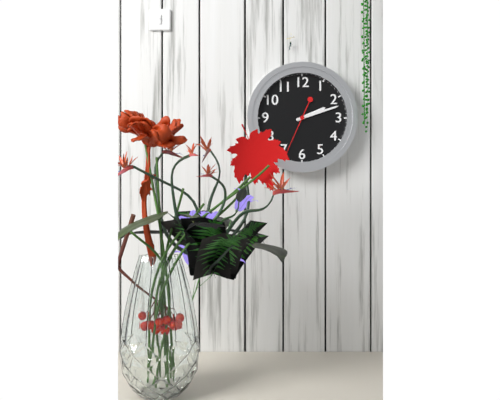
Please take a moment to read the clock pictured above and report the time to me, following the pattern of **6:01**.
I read **2:12**
